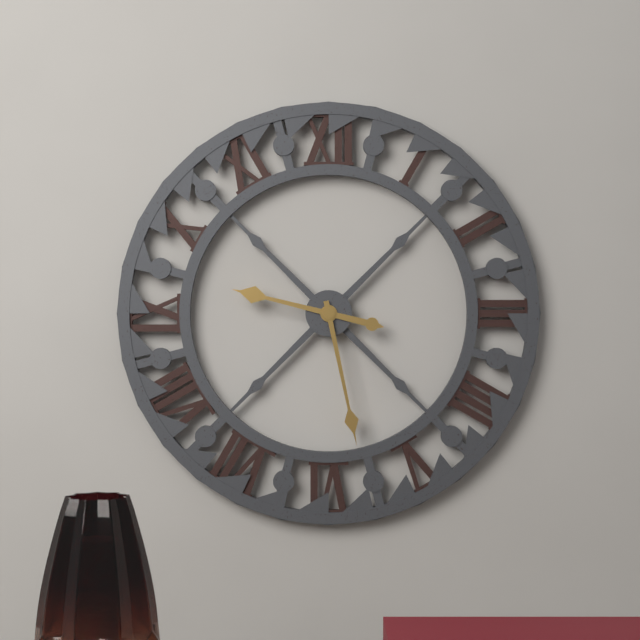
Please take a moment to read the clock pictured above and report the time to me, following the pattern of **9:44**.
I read **9:28**
